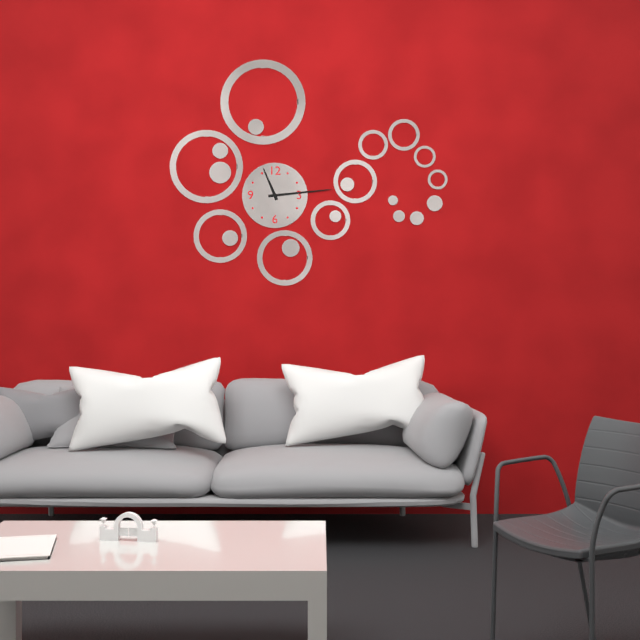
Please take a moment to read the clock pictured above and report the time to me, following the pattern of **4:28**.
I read **11:14**
